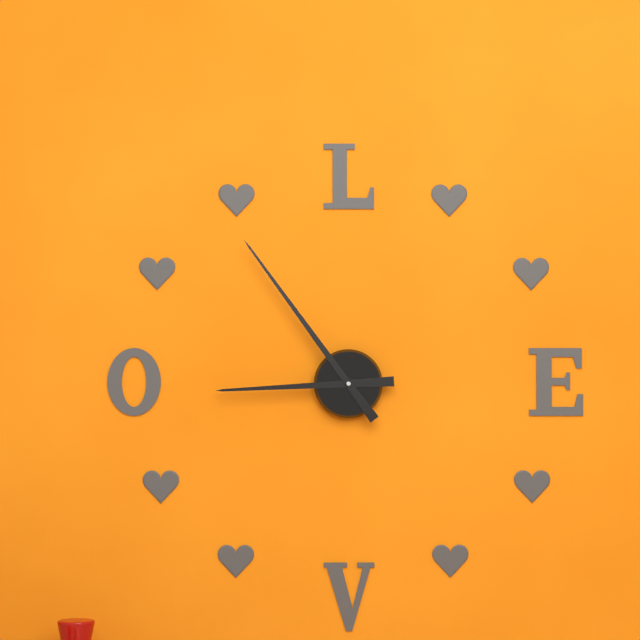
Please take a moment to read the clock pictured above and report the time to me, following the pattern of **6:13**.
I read **8:54**
